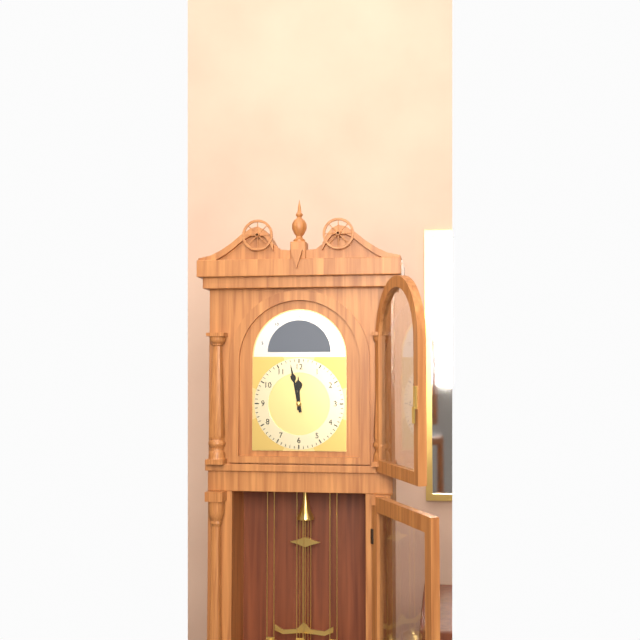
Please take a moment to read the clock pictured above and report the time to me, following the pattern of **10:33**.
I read **11:58**
